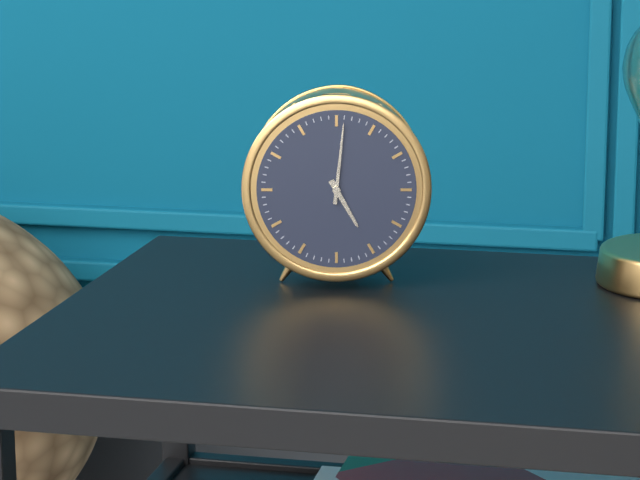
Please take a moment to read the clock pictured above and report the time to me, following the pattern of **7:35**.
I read **5:01**
